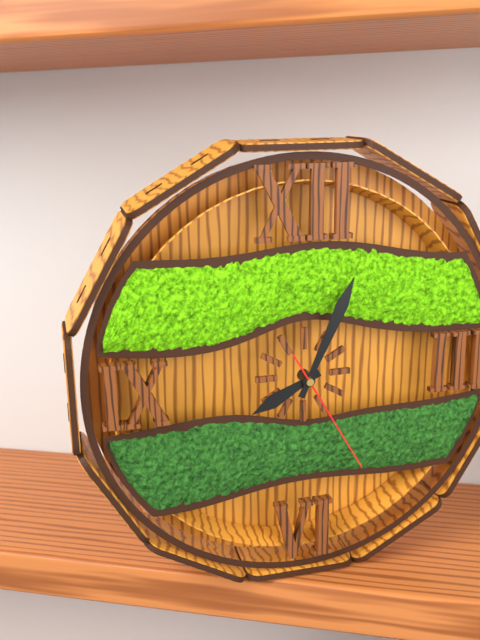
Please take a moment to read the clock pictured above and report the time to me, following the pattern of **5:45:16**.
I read **8:04:25**
